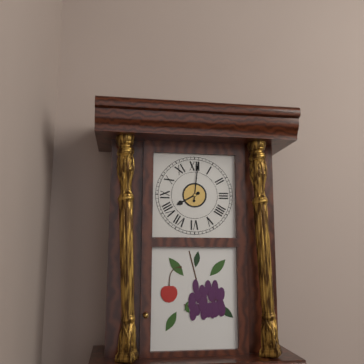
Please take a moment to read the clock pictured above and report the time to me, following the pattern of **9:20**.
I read **8:01**
